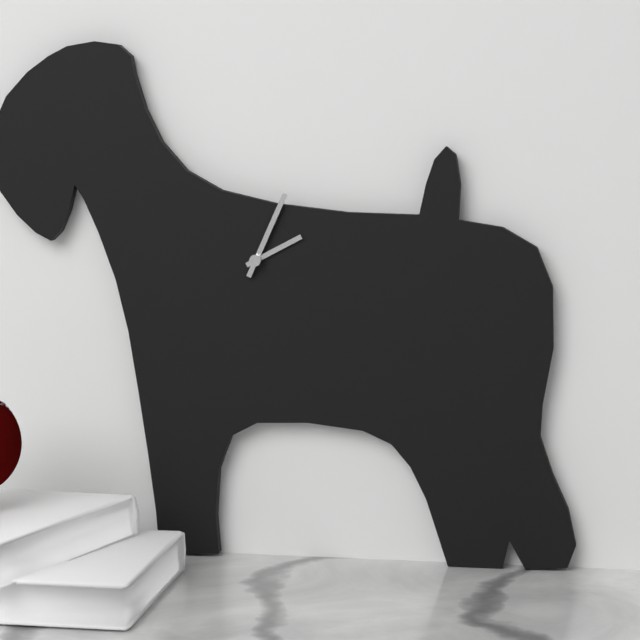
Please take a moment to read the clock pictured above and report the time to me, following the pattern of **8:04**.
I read **2:04**
